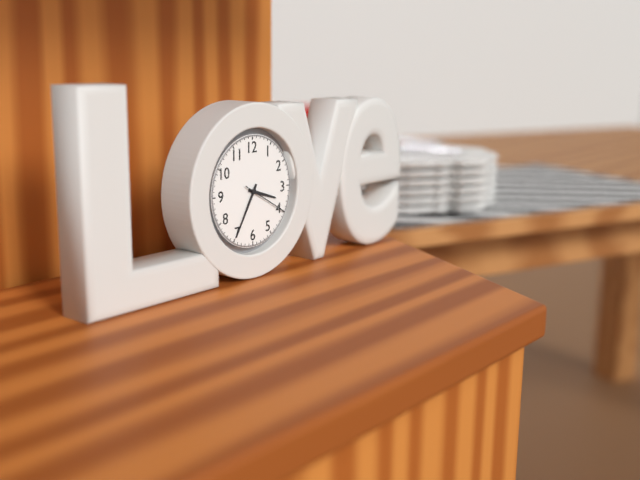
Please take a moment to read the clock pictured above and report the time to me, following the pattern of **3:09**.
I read **3:35**
